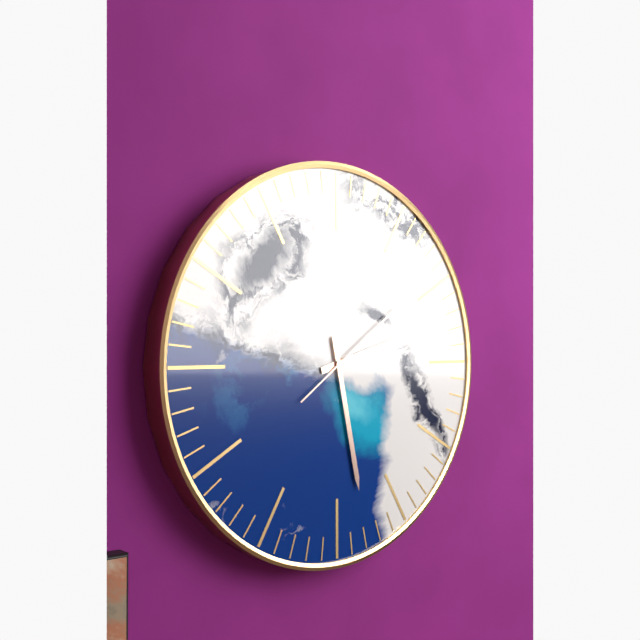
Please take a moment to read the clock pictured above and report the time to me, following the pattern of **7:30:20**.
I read **2:28:09**
